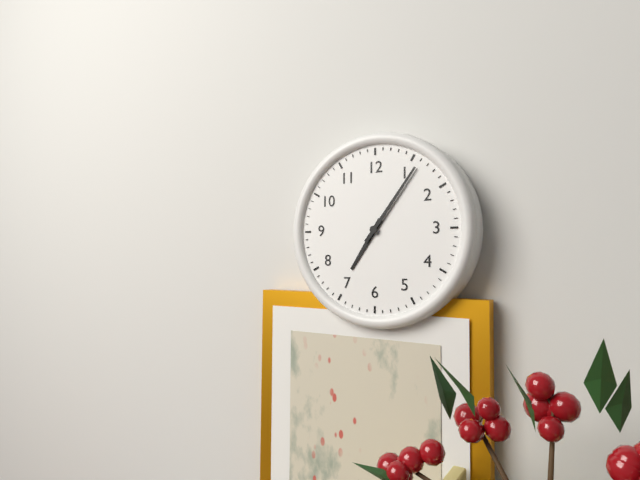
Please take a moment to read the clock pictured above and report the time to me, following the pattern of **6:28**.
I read **7:06**
